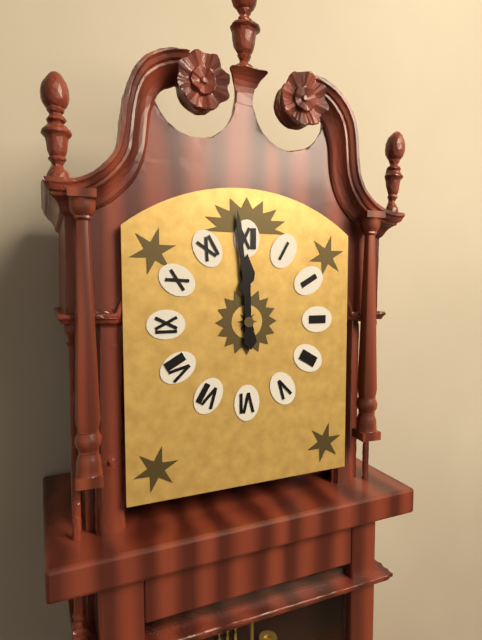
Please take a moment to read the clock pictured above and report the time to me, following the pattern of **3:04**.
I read **11:59**
